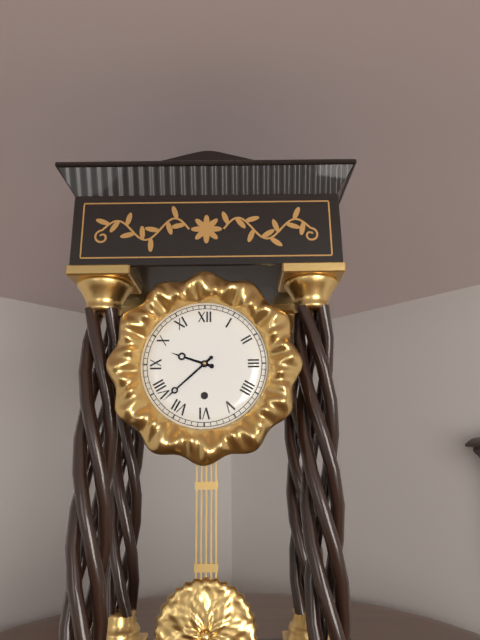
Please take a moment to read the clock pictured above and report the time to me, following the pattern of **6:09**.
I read **9:38**
